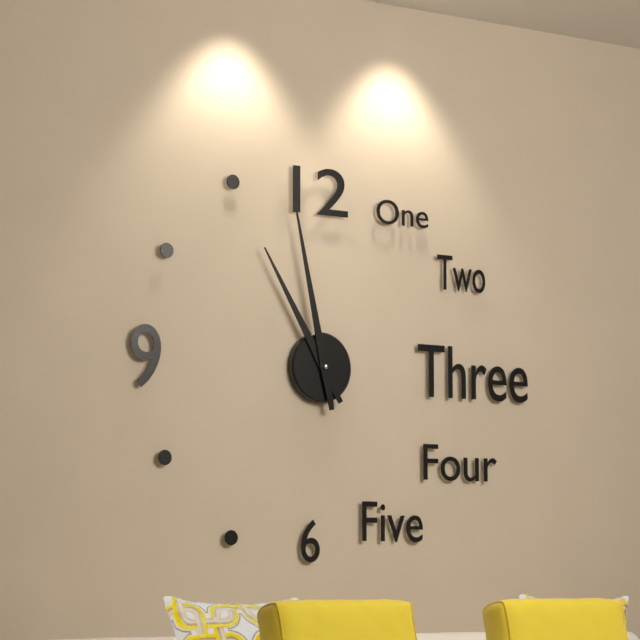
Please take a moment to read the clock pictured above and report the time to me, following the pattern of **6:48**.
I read **10:58**
